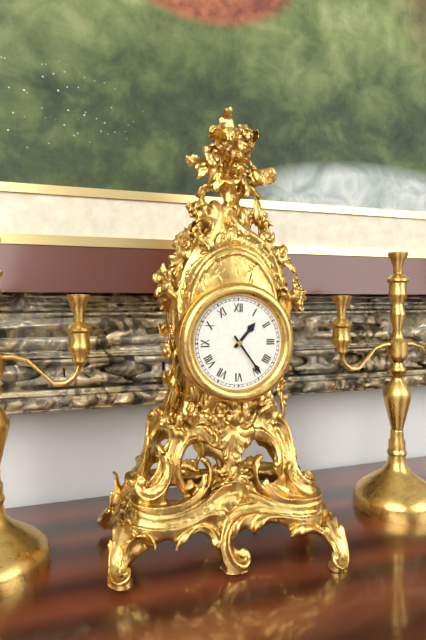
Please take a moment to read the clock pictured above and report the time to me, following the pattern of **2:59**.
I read **1:24**
